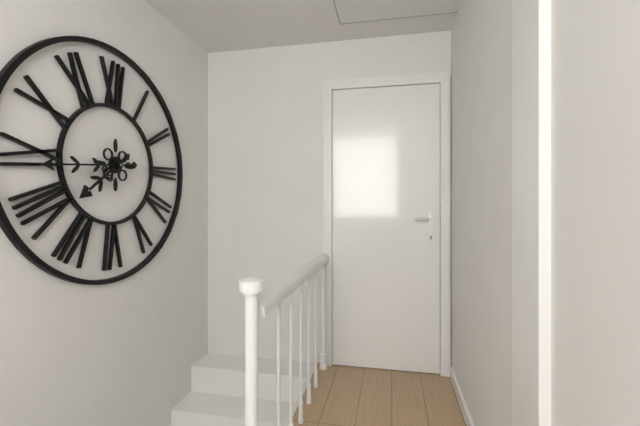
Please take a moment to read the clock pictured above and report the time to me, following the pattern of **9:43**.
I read **7:44**
